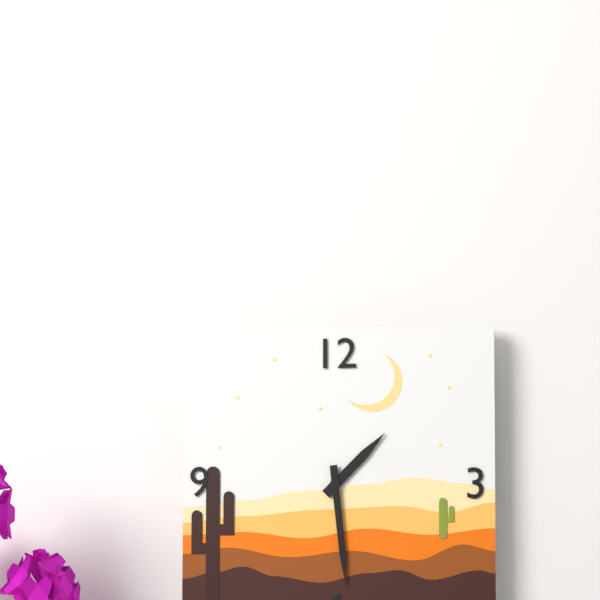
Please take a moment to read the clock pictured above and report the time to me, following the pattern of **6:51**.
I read **1:29**
